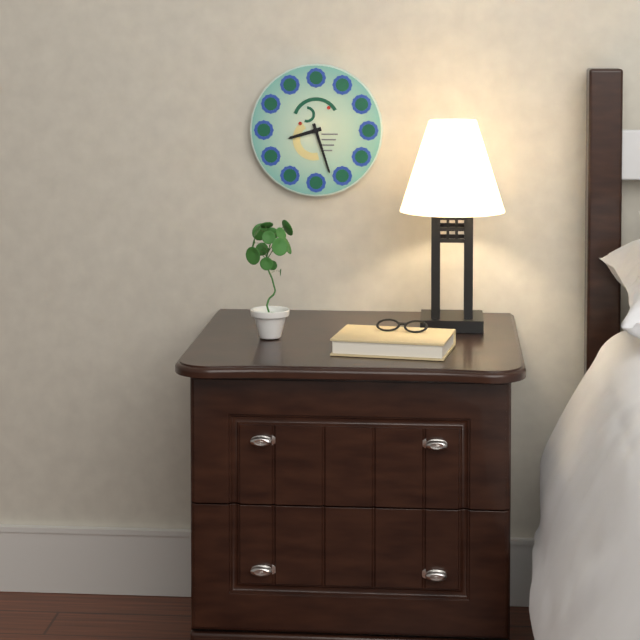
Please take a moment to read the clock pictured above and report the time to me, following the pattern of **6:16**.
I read **8:27**
